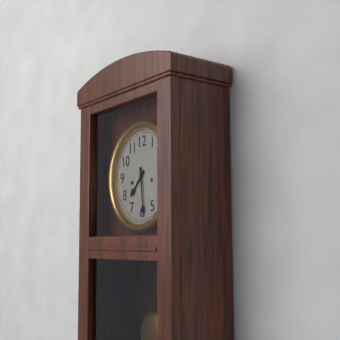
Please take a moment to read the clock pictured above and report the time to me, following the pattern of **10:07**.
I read **7:29**
